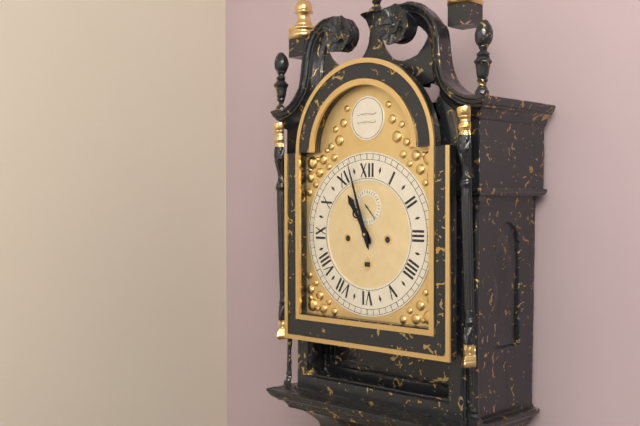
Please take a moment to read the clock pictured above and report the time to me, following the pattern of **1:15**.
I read **10:57**
